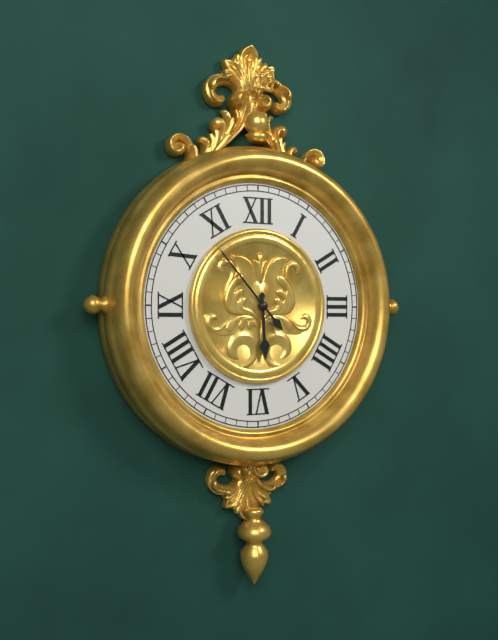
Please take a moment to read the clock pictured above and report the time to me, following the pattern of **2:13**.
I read **5:53**
